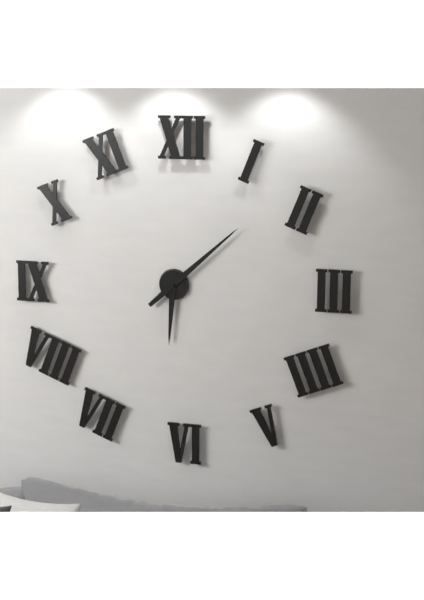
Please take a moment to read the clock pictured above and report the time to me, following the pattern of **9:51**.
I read **6:08**
